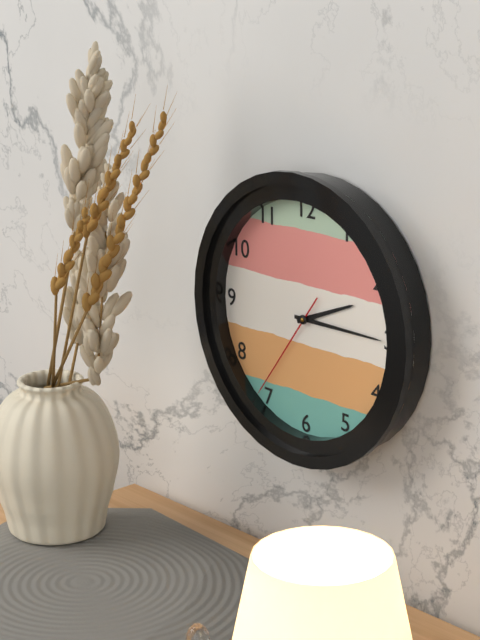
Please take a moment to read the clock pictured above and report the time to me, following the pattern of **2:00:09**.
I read **2:15:36**
